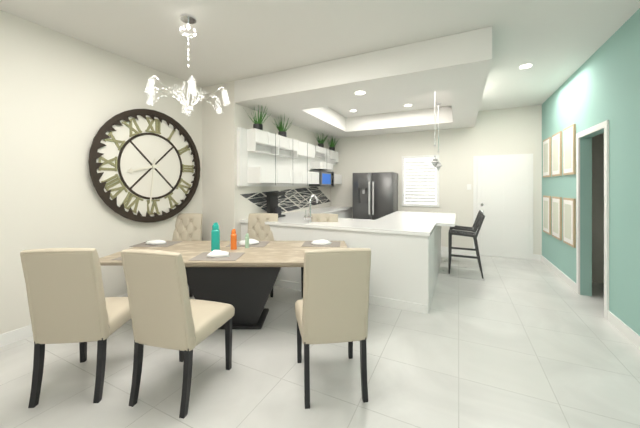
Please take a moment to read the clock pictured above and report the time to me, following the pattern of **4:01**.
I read **8:31**
